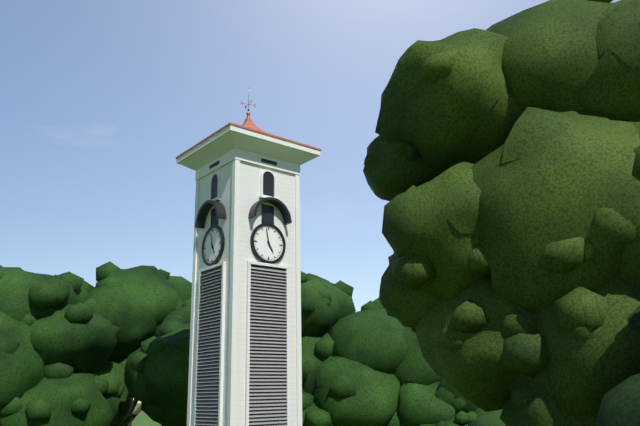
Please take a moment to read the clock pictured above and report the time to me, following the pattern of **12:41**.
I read **4:58**
